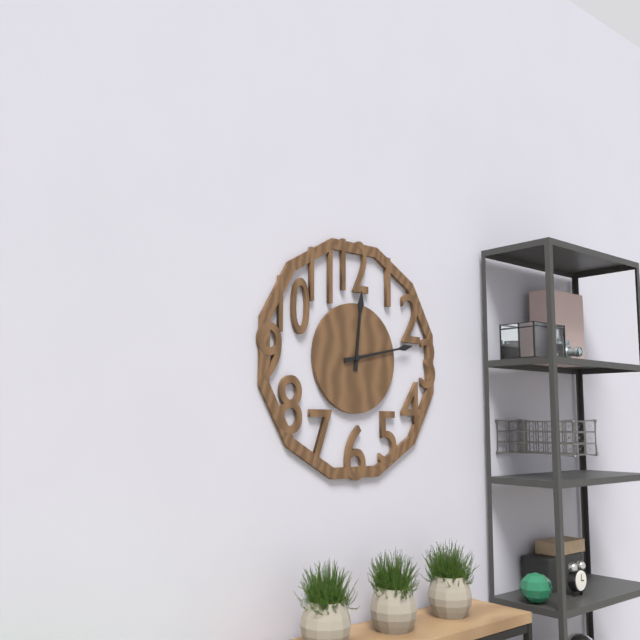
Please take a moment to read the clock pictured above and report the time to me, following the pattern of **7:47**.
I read **12:13**
